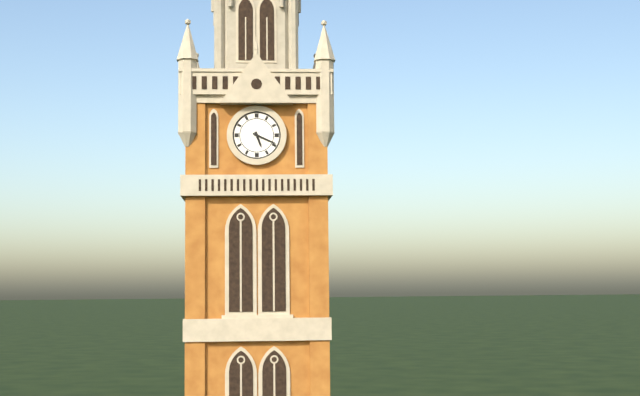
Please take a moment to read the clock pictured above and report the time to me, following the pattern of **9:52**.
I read **5:19**
